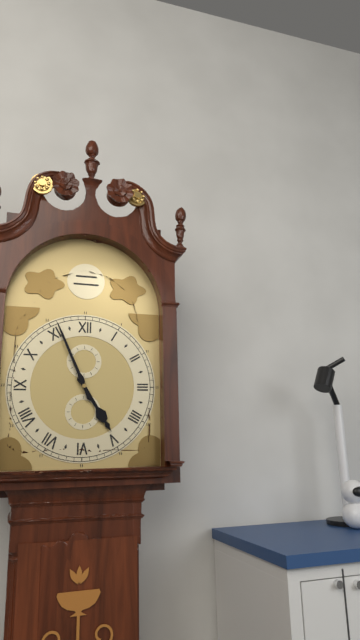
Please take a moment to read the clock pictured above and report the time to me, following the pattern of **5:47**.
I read **4:56**
